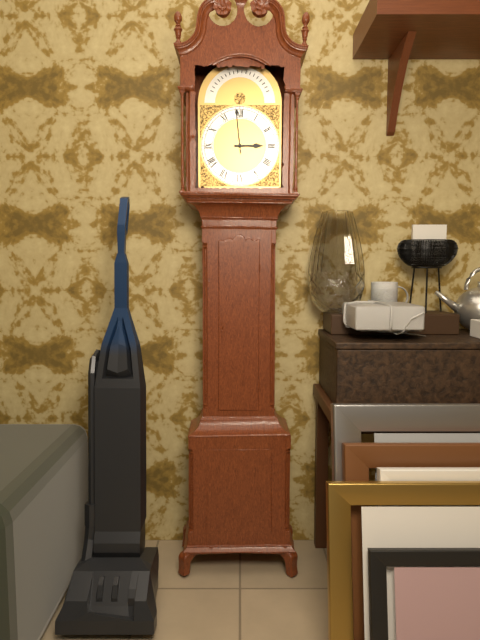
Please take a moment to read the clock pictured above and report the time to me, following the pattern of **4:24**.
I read **2:59**
